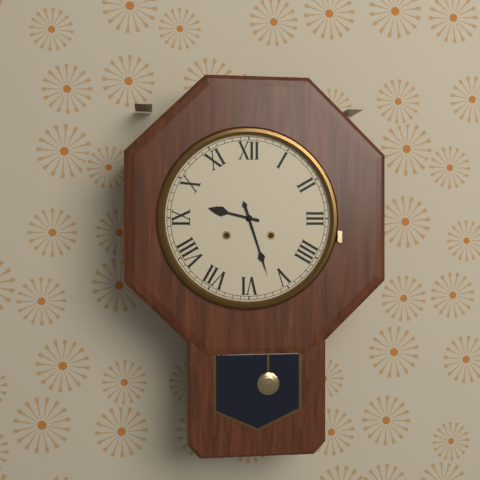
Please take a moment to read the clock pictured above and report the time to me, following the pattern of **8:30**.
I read **9:27**
